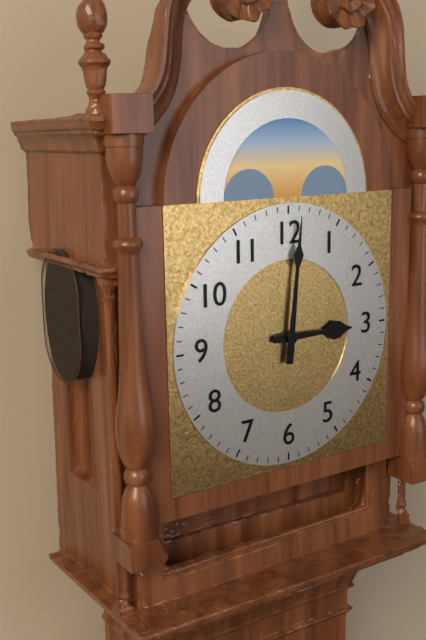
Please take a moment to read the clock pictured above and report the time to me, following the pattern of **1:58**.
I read **3:01**
